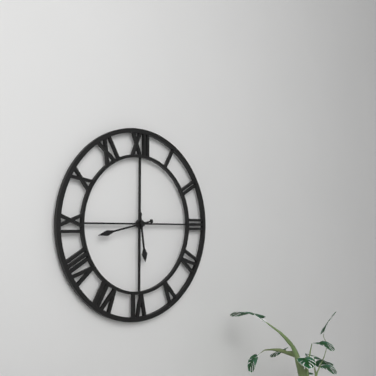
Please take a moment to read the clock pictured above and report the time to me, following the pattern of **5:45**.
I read **5:43**
